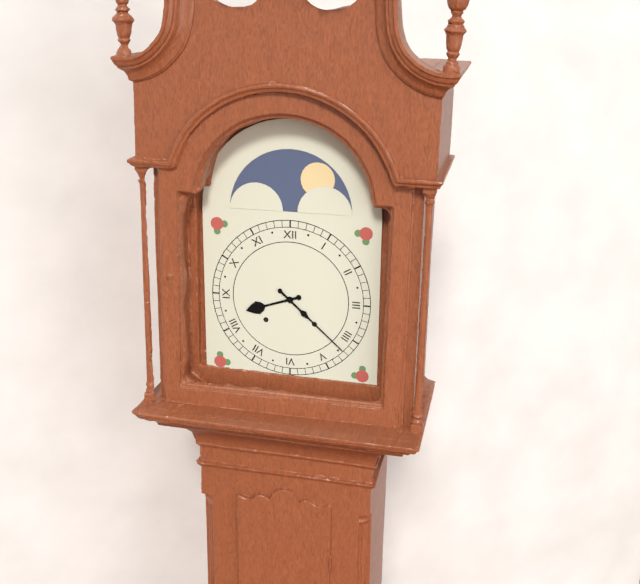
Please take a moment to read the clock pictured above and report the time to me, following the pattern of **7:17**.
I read **8:22**
